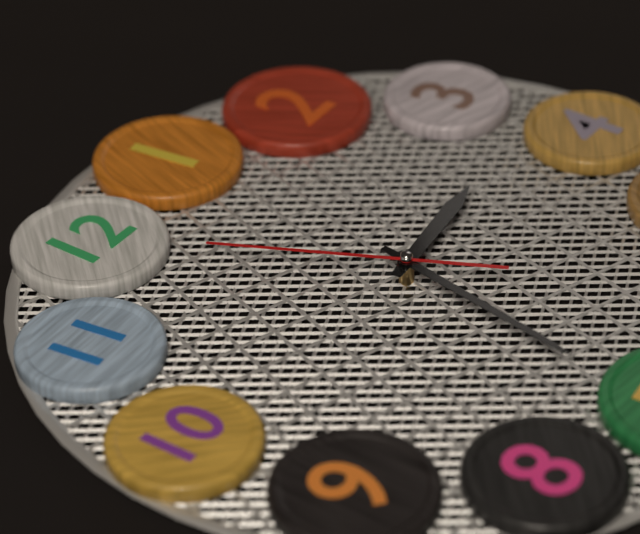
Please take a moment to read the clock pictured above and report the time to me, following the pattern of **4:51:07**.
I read **3:36:00**
